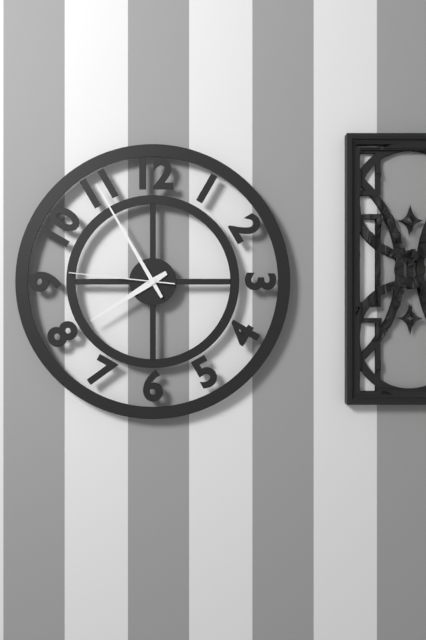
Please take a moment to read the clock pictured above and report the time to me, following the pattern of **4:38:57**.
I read **7:55:46**
